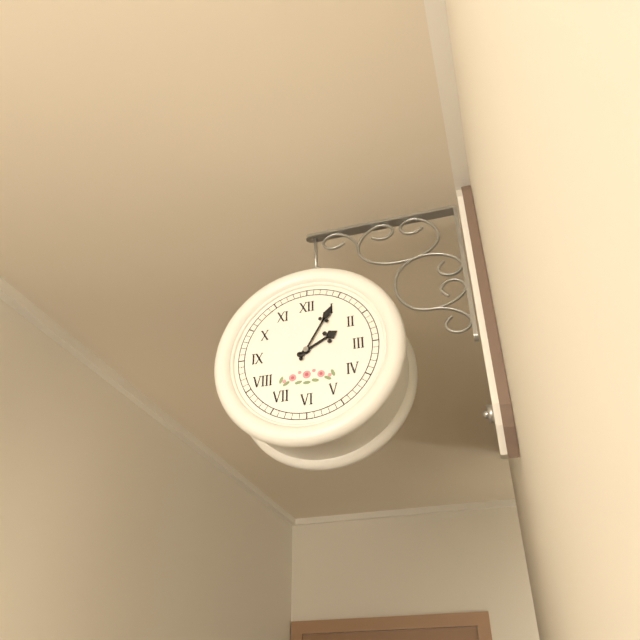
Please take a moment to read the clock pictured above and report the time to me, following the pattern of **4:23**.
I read **2:05**
